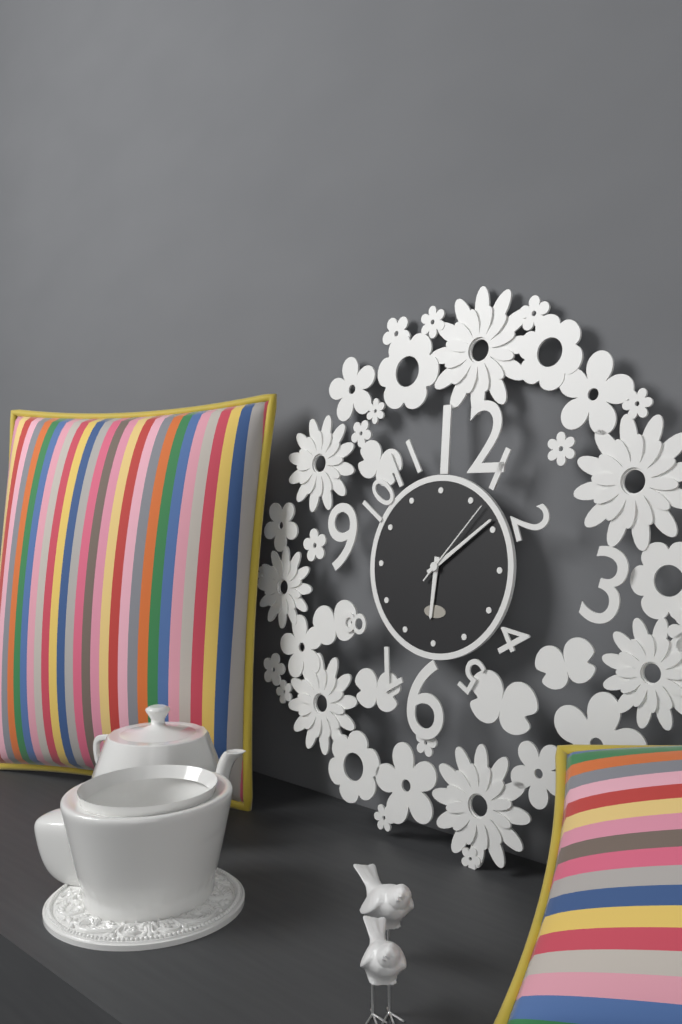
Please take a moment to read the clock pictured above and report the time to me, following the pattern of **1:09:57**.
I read **6:09:07**
